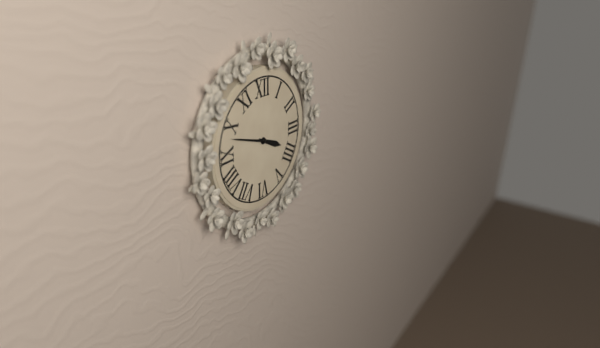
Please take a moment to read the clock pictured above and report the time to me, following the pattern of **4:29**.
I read **3:48**
